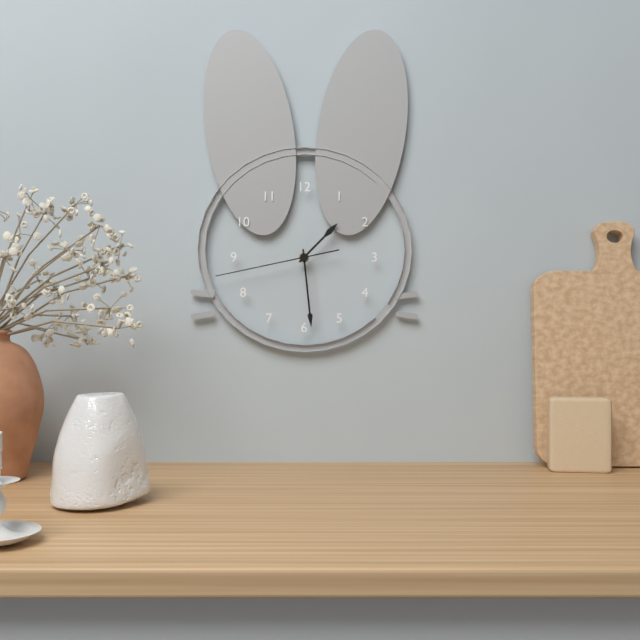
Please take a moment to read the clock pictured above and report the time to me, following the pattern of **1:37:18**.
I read **1:29:43**
